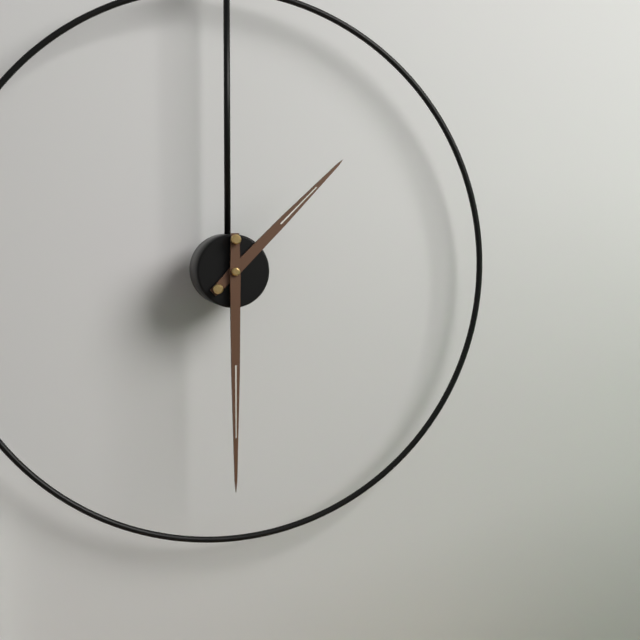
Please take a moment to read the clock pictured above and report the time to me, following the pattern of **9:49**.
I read **1:30**
